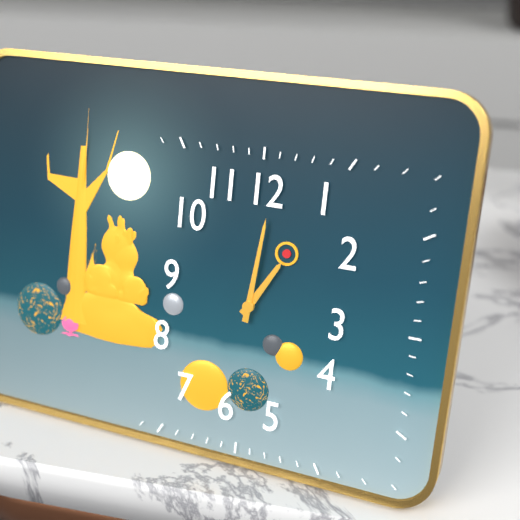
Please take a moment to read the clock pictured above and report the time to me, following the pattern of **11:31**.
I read **1:01**
